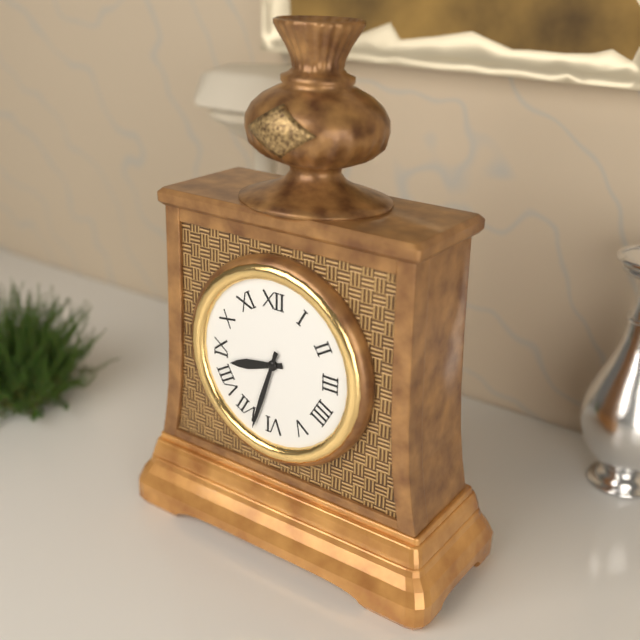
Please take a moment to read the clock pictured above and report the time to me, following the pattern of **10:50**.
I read **8:33**
